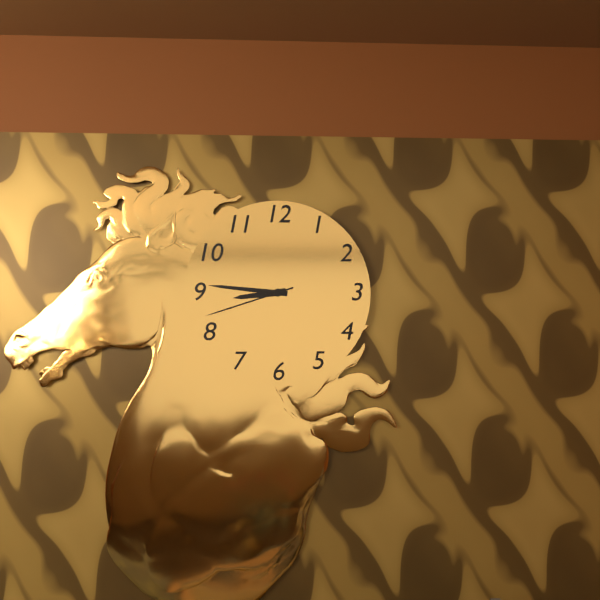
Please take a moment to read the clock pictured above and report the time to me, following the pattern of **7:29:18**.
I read **8:46:42**
